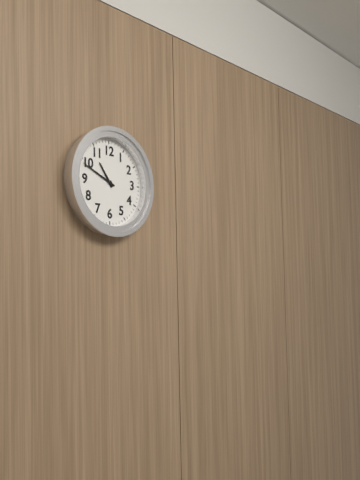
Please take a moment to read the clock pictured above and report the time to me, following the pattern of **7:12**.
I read **10:49**
